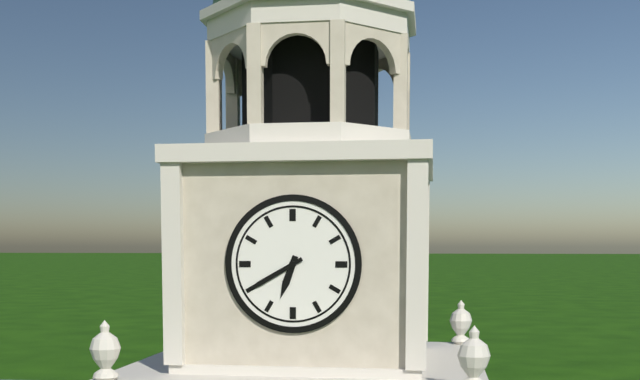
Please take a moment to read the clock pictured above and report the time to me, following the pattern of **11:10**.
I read **6:40**
